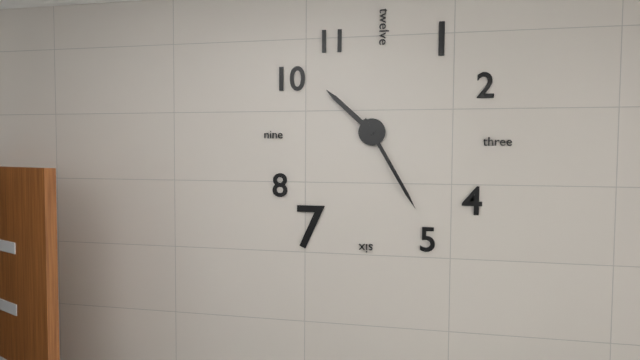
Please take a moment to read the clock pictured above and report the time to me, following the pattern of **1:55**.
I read **10:25**
